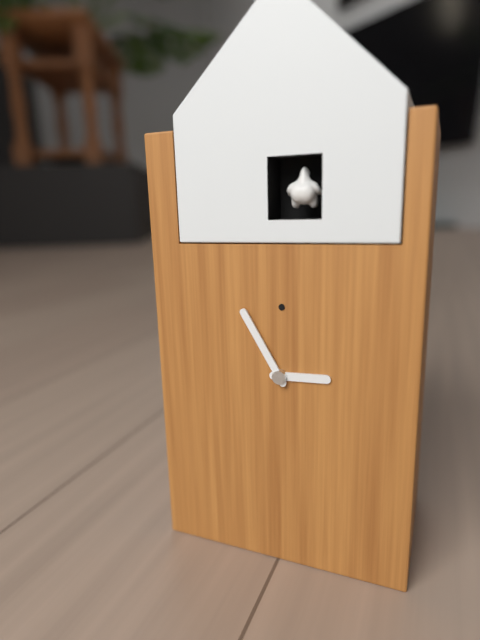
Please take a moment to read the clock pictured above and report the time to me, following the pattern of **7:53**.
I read **2:55**
